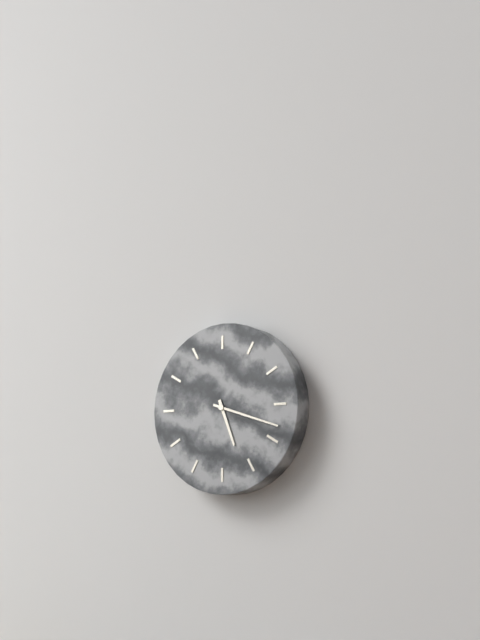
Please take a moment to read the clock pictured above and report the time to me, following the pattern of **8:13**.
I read **5:18**
